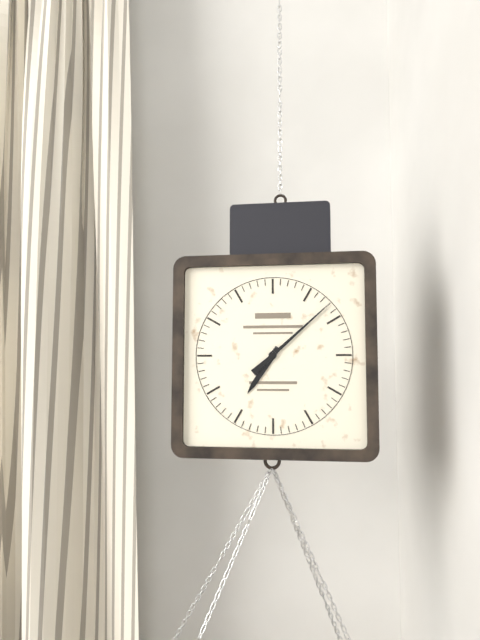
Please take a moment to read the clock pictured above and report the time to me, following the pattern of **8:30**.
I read **7:08**
